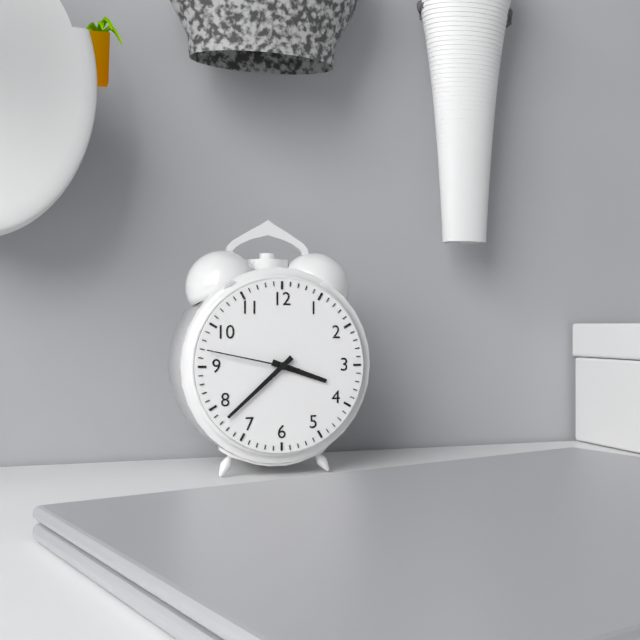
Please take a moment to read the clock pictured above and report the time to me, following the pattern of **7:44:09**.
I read **3:38:47**
